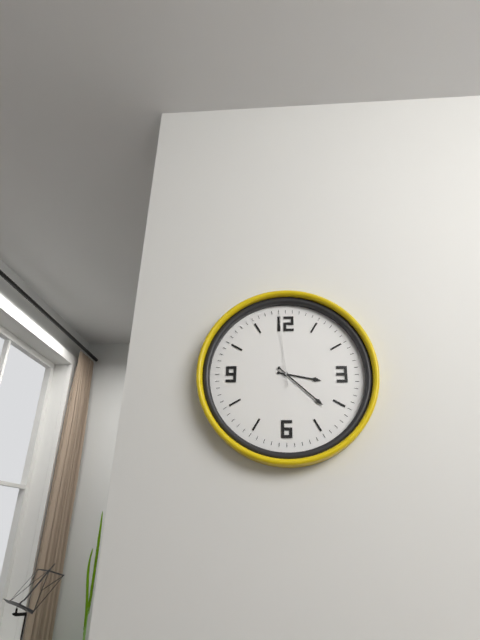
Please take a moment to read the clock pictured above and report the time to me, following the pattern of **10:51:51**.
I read **3:22:59**
